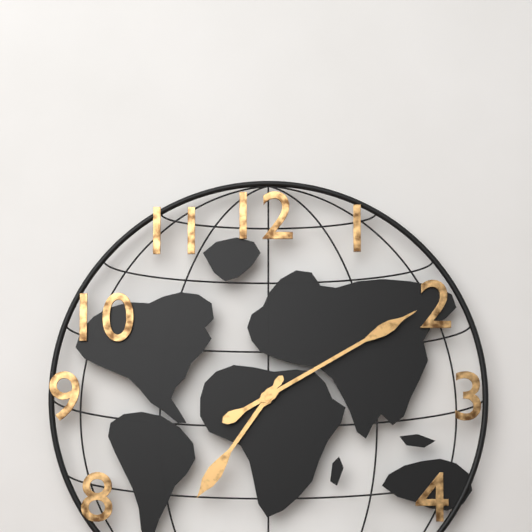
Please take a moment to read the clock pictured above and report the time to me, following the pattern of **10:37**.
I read **7:10**
